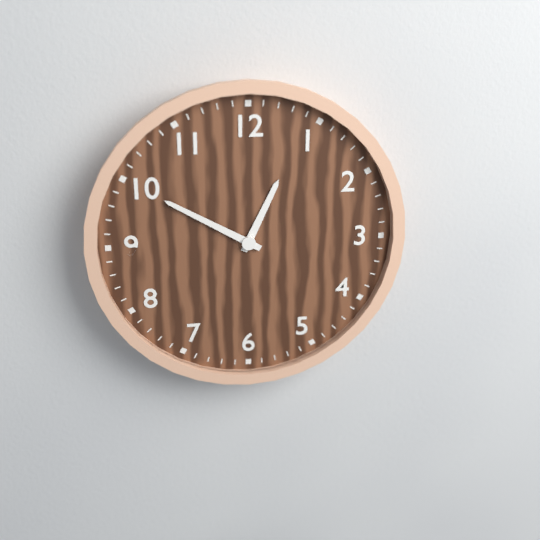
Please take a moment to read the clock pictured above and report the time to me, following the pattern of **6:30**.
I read **12:50**
